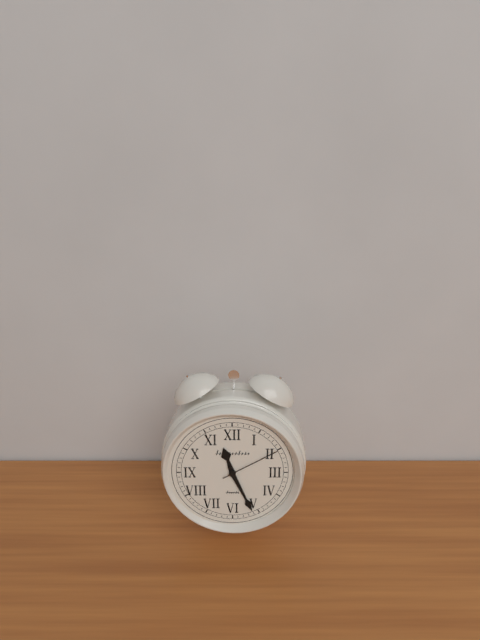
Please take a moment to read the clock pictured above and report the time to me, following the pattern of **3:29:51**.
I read **11:26:10**
